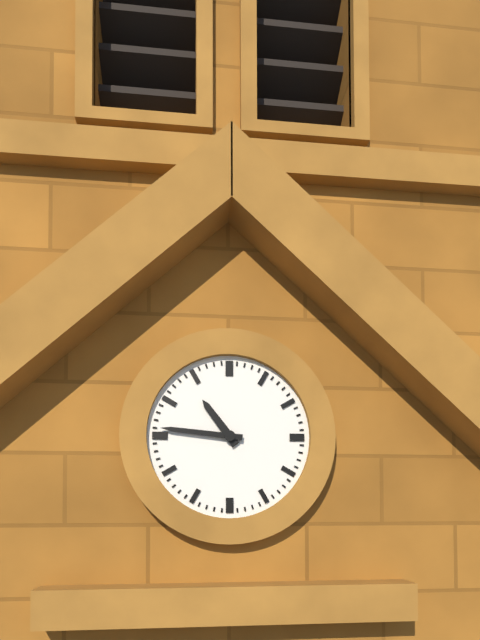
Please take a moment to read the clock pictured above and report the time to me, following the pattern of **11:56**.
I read **10:46**
